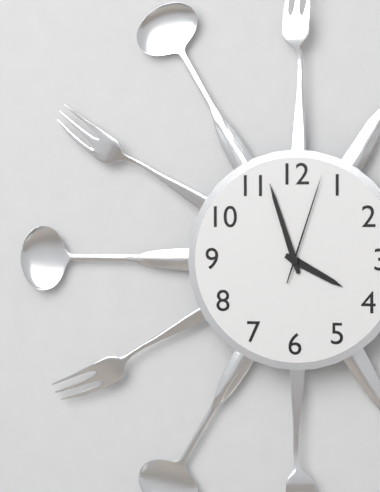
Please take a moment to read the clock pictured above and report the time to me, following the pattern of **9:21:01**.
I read **3:57:03**
